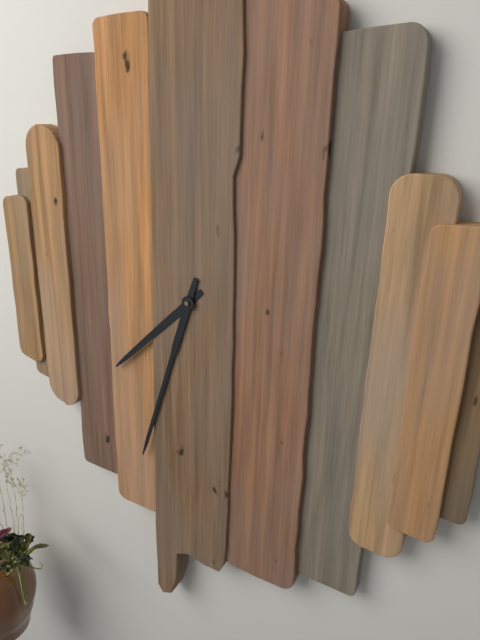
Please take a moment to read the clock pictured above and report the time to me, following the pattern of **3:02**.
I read **7:33**
